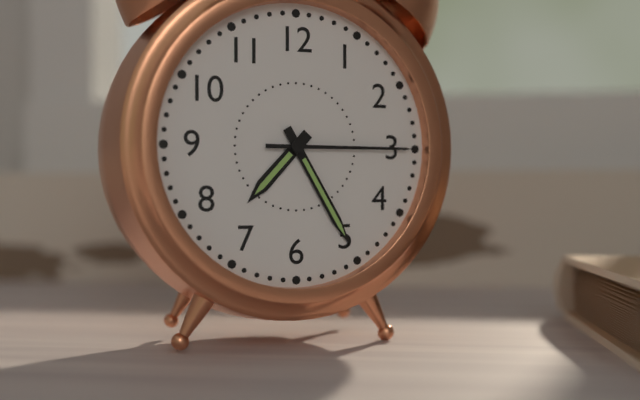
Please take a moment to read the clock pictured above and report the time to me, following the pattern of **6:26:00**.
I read **7:25:15**
